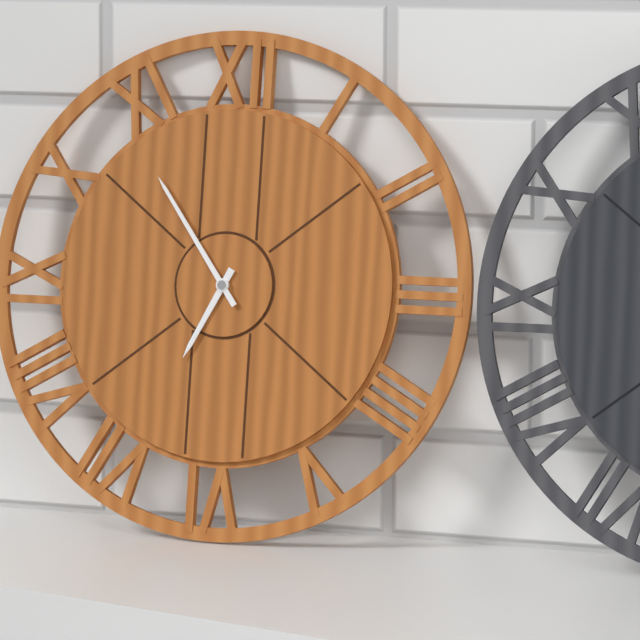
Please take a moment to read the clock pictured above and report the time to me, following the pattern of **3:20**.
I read **6:54**
